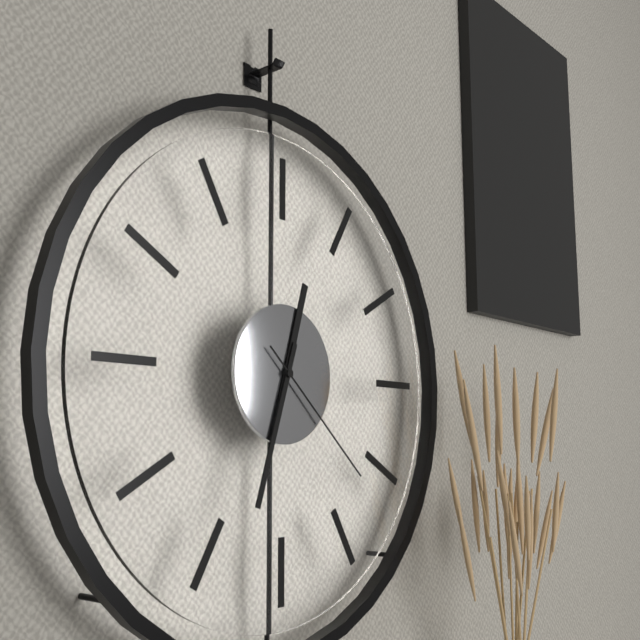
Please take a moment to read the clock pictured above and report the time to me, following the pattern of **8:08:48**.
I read **12:33:22**
